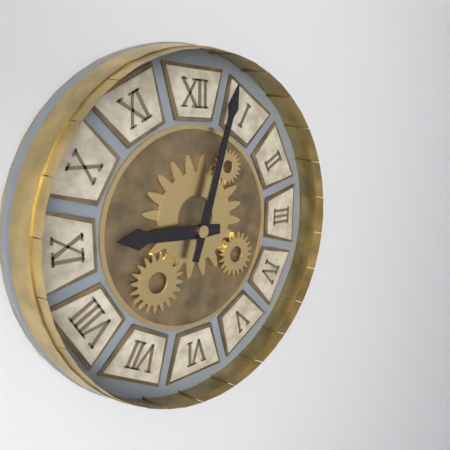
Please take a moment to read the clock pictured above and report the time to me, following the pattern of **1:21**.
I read **9:03**
